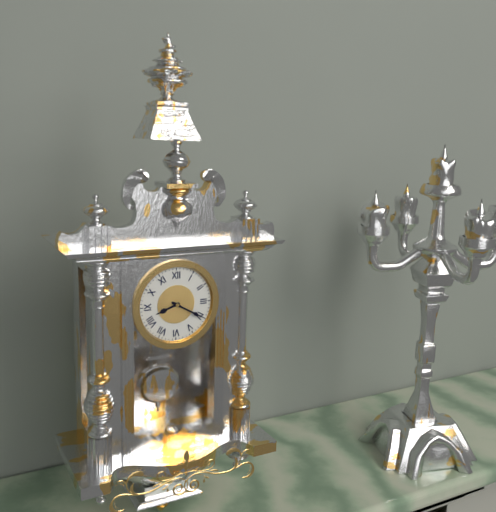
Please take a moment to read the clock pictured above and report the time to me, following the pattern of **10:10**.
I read **8:20**
